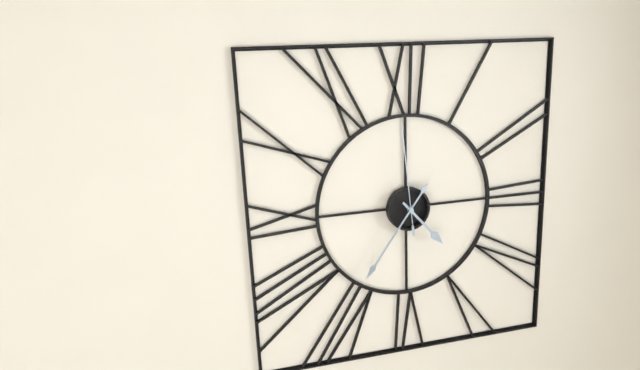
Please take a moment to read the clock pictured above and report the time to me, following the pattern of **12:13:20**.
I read **4:36:59**
